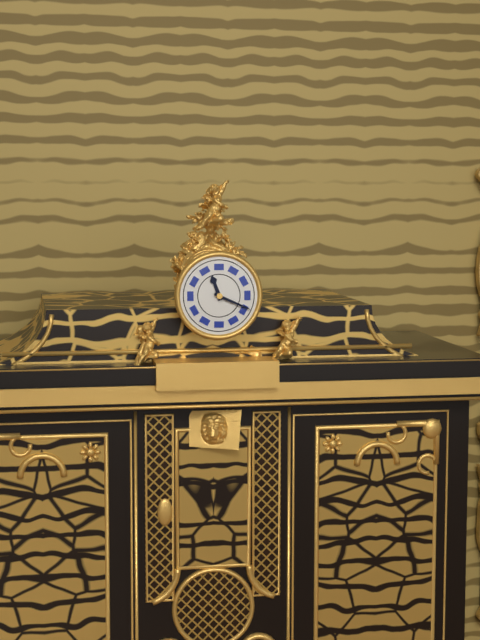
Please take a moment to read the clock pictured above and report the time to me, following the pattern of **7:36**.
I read **11:19**
